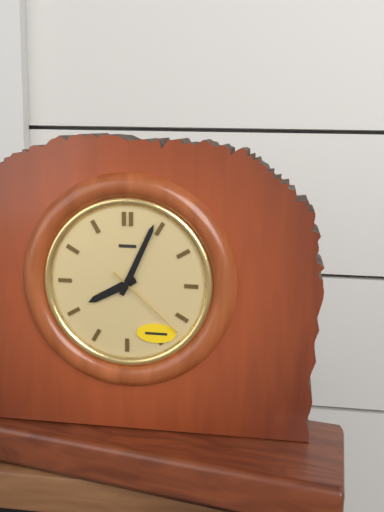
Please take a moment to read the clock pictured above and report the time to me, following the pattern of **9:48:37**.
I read **8:04:22**
